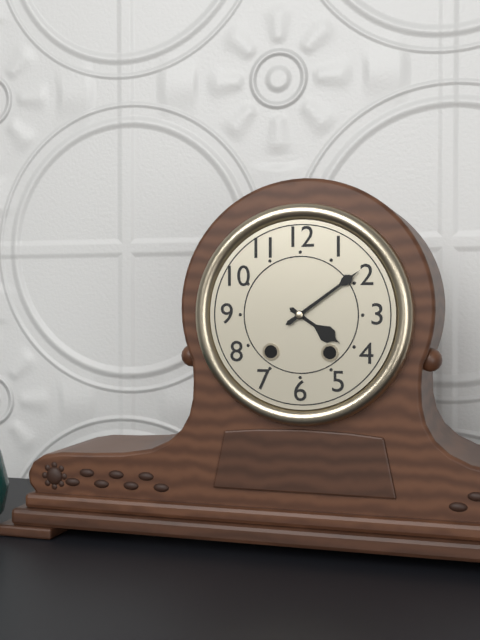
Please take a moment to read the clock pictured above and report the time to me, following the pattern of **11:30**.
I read **4:09**
